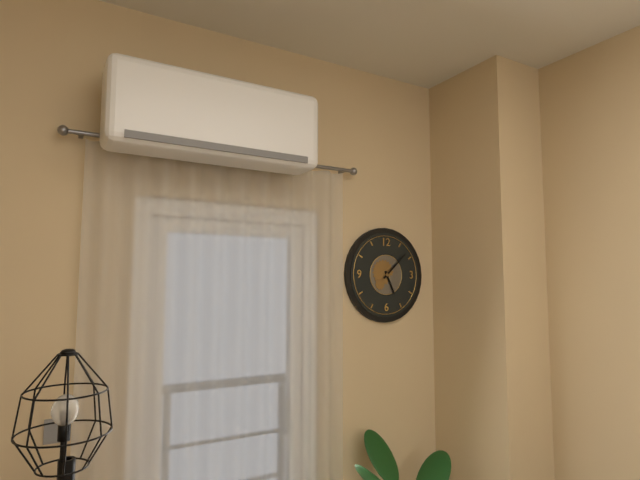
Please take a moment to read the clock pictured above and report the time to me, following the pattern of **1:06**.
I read **5:08**
